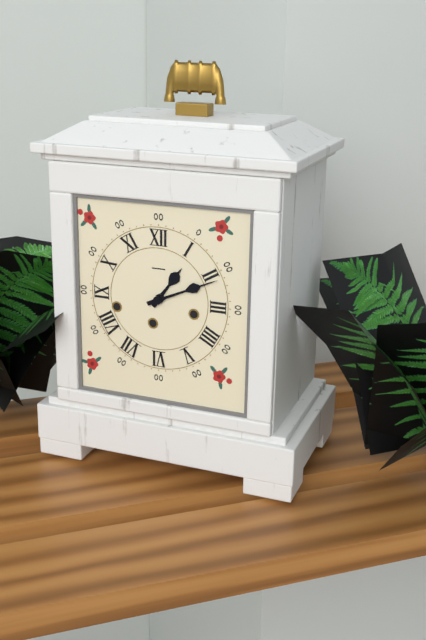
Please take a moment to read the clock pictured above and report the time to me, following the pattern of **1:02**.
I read **1:11**
